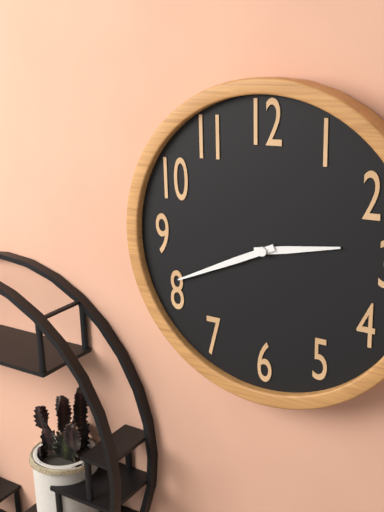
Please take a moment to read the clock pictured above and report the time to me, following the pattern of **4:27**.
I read **2:41**
